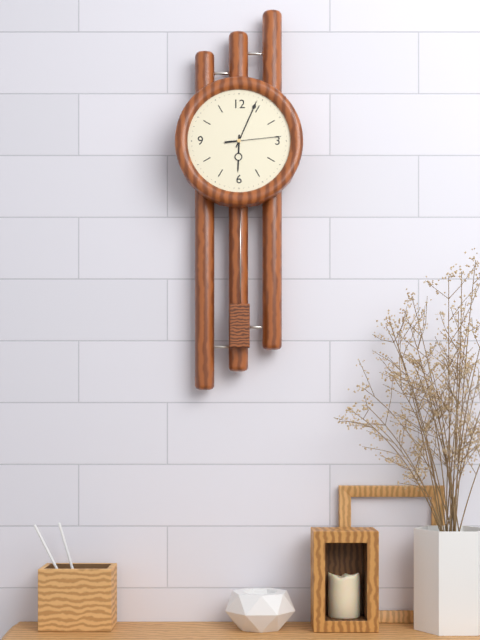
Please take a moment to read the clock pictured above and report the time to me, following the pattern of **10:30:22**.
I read **6:04:14**
